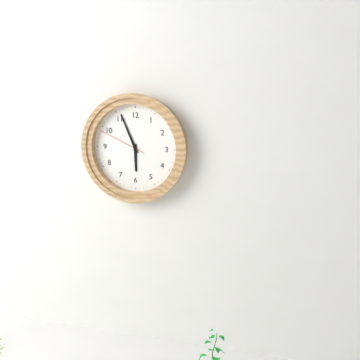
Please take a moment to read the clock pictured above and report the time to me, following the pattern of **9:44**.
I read **5:56**
